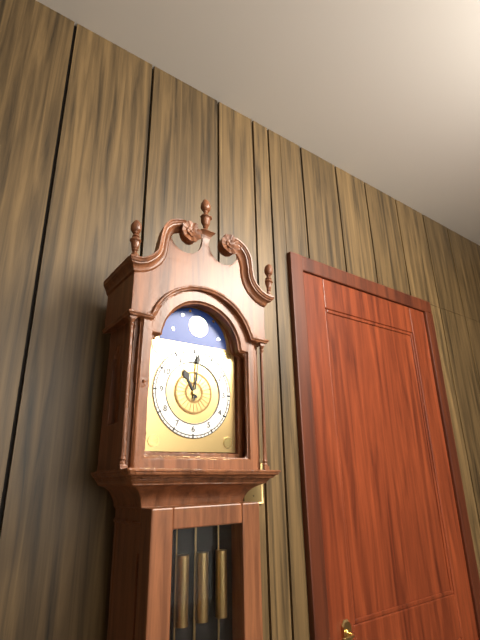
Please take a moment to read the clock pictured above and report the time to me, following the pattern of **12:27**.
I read **11:01**
